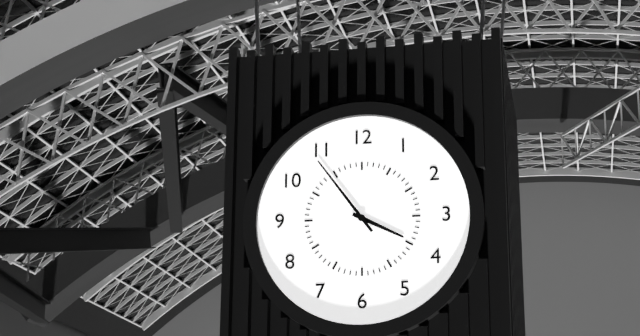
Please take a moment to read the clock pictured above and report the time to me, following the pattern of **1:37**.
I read **3:54**
